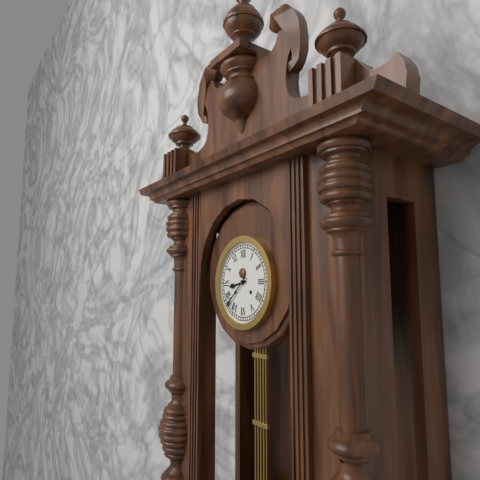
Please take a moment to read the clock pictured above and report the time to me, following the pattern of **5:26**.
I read **8:38**
